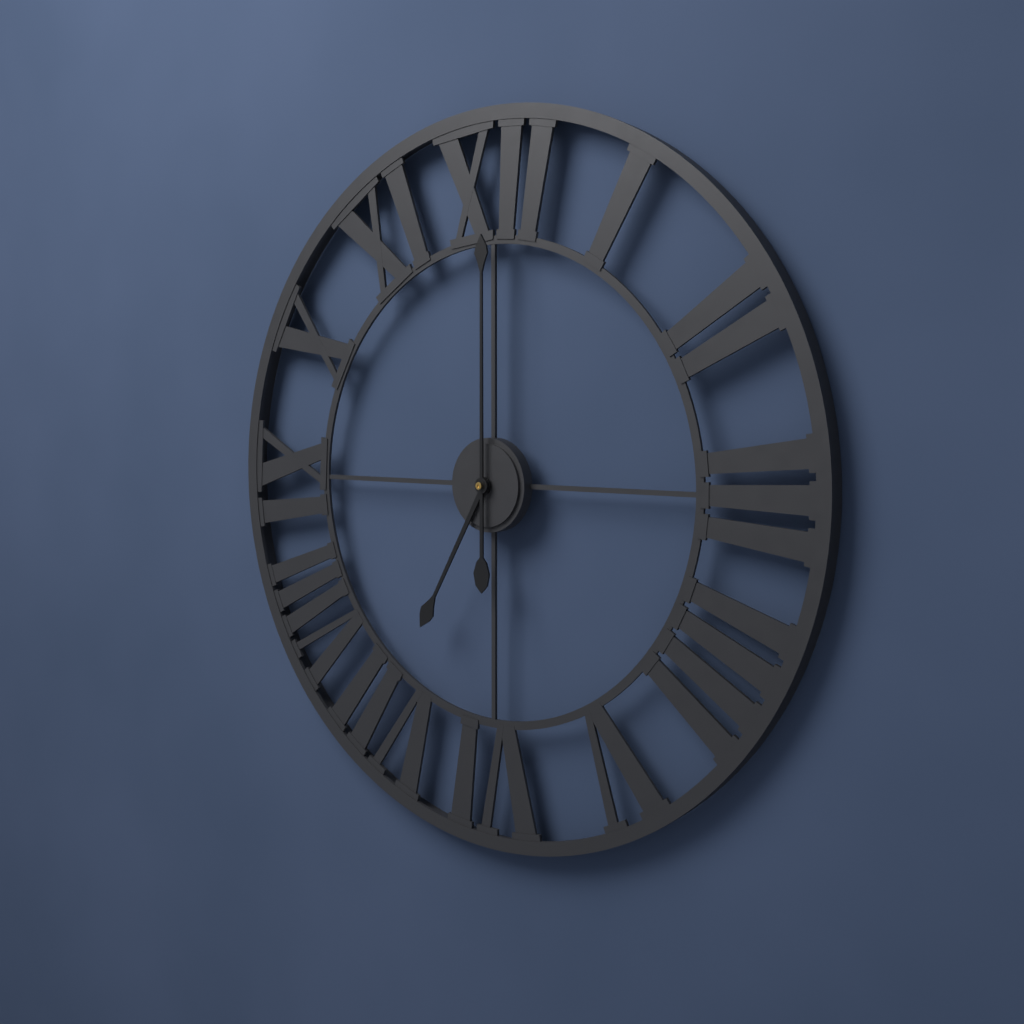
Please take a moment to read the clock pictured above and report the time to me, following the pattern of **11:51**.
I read **7:00**
